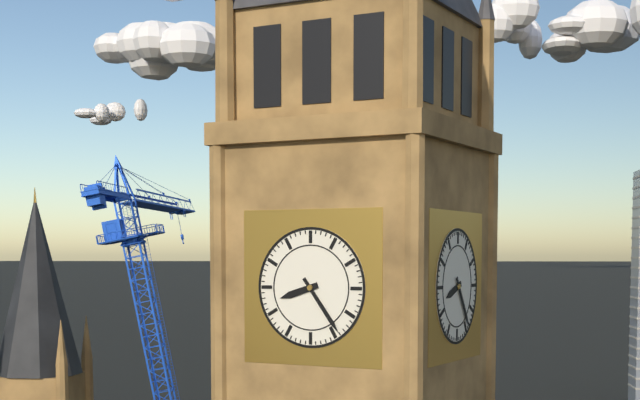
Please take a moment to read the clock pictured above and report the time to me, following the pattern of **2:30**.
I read **8:24**
